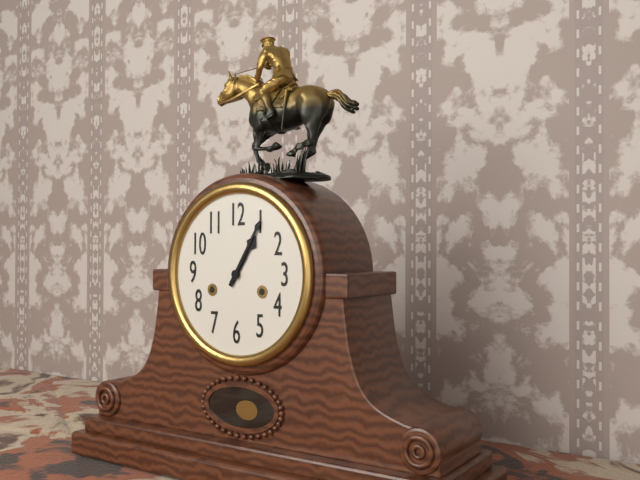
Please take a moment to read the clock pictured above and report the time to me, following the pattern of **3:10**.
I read **1:05**
